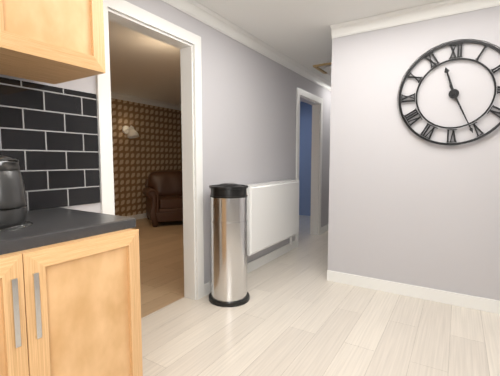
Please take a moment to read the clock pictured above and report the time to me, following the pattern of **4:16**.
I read **11:26**
